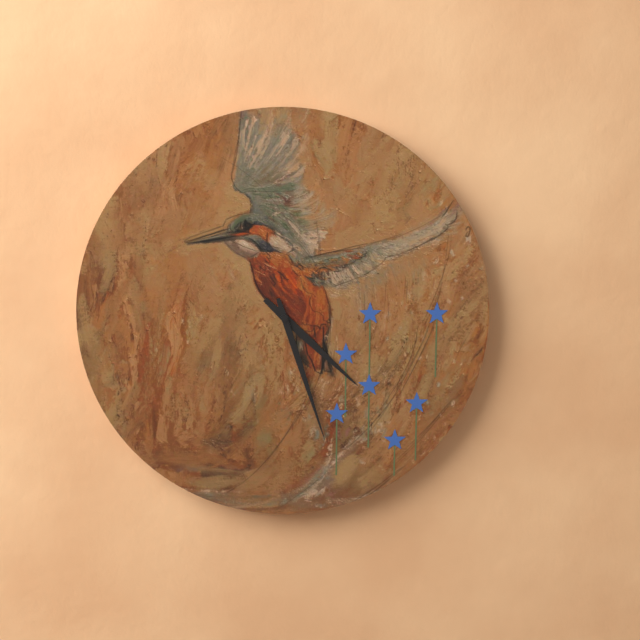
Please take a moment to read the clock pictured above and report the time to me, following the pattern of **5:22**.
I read **4:27**
